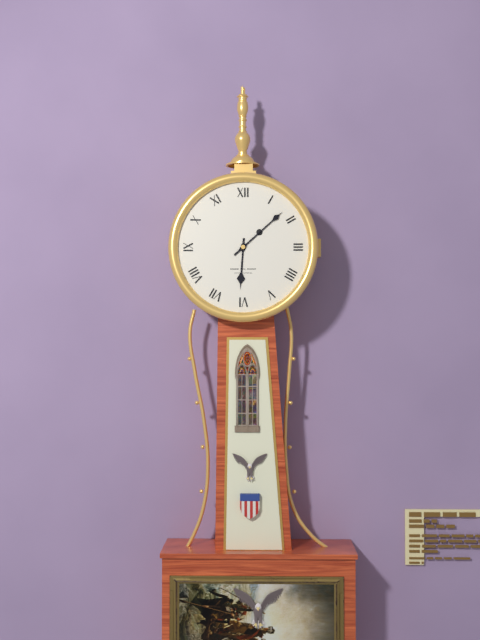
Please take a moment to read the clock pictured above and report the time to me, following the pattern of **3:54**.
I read **6:08**
